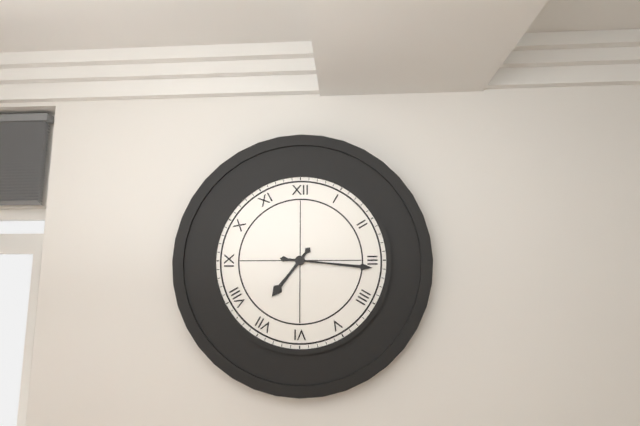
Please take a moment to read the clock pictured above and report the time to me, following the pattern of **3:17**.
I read **7:16**
